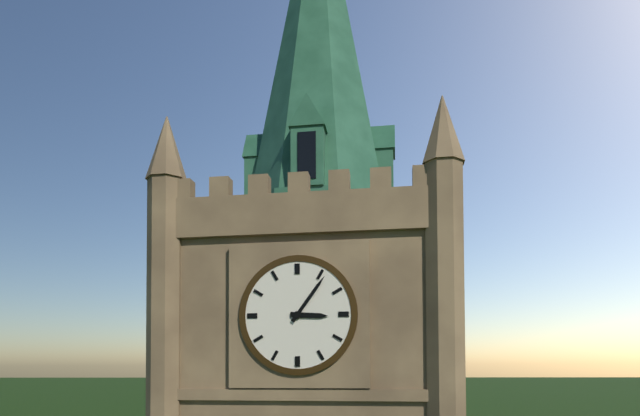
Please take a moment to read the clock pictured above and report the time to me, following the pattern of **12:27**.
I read **3:06**
